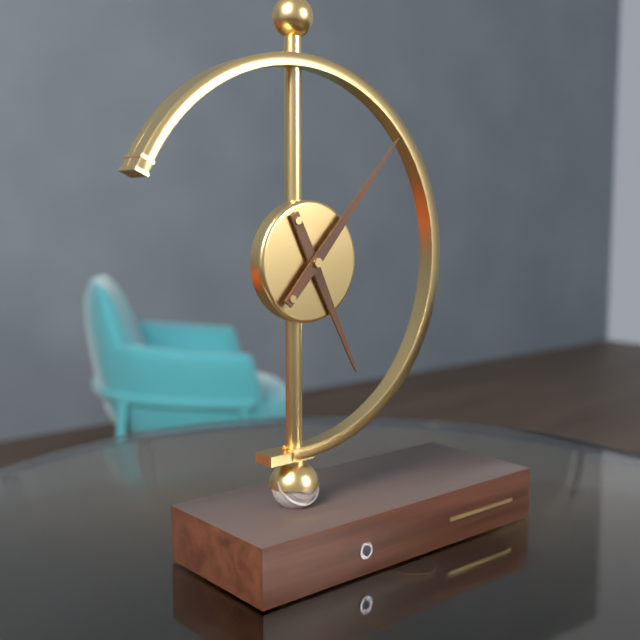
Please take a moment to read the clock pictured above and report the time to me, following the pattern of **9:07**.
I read **5:07**
